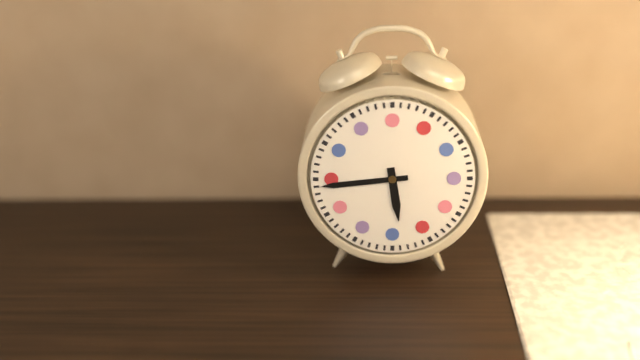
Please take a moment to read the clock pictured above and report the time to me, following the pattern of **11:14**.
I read **5:44**
